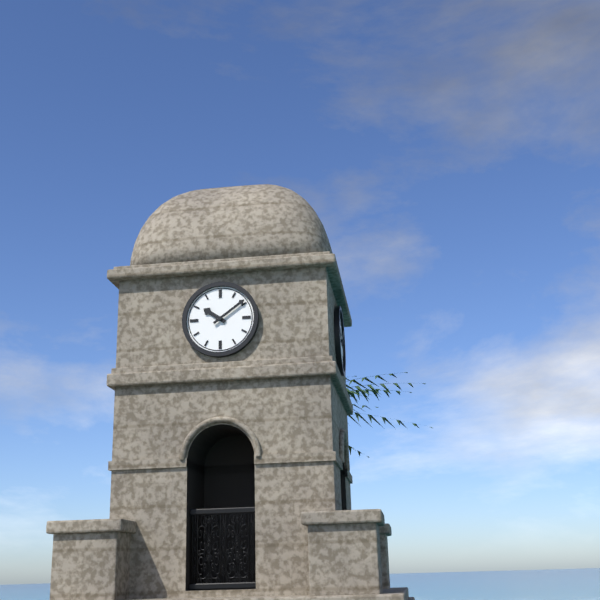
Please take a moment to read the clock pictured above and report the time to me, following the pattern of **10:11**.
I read **10:09**
